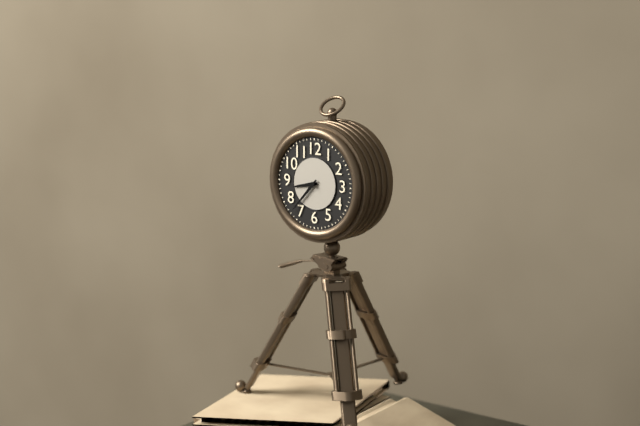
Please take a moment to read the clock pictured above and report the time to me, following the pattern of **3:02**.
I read **8:37**
